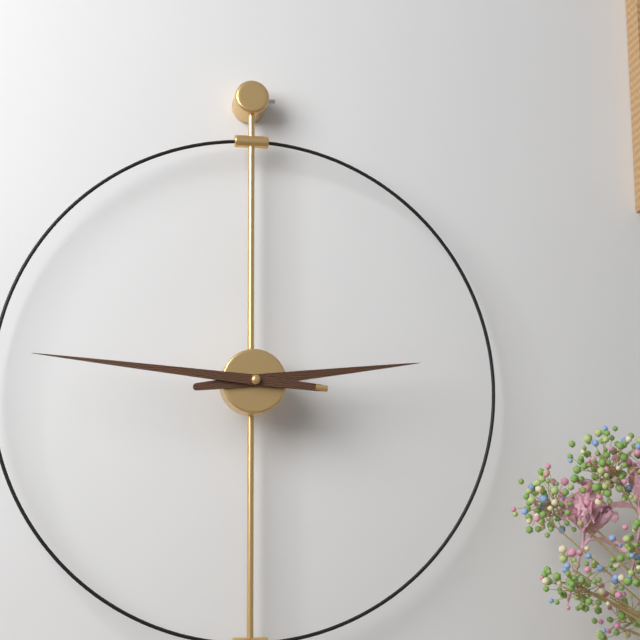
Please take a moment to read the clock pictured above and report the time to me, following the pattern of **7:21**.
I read **2:46**
